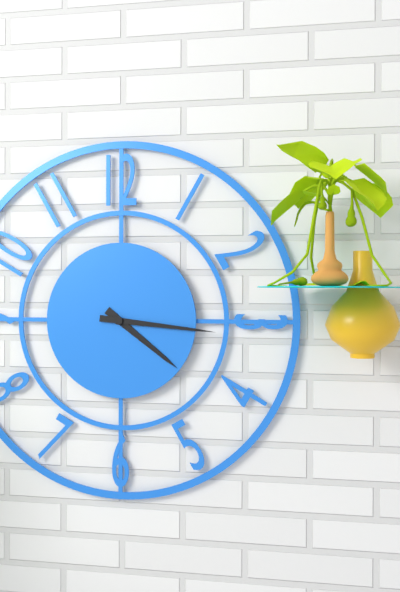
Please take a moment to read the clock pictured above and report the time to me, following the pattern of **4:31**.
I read **4:16**
